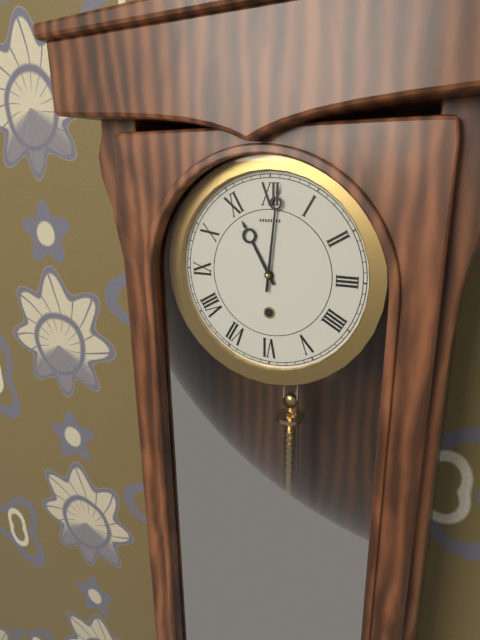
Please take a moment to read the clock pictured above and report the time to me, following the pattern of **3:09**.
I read **11:01**
